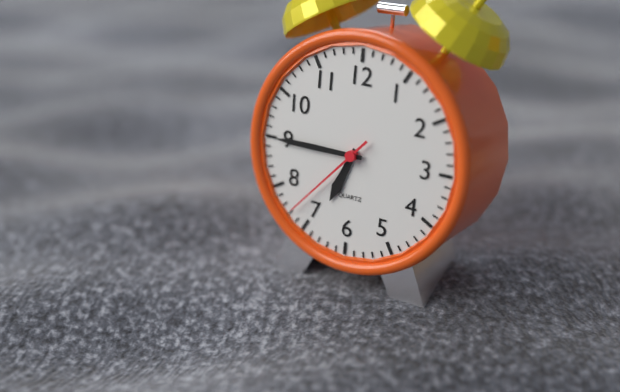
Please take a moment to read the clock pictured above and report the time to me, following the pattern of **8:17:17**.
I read **6:45:37**
